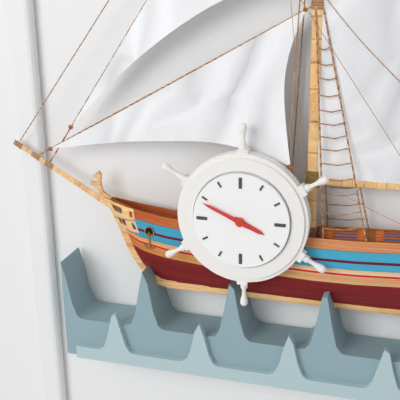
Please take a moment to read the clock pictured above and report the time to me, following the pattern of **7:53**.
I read **3:49**
